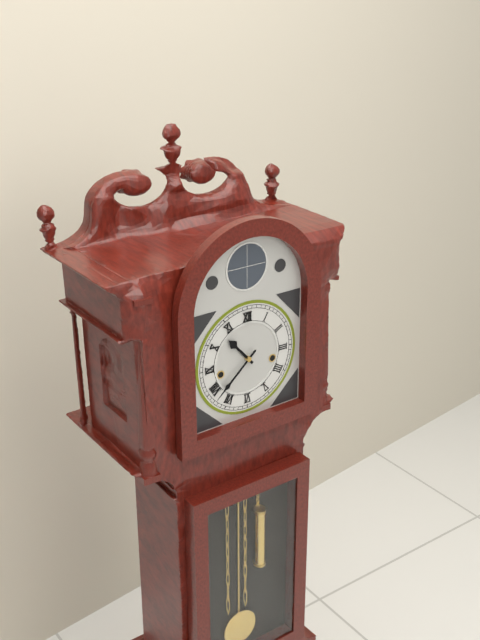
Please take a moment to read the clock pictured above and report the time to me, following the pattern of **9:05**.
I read **10:38**
